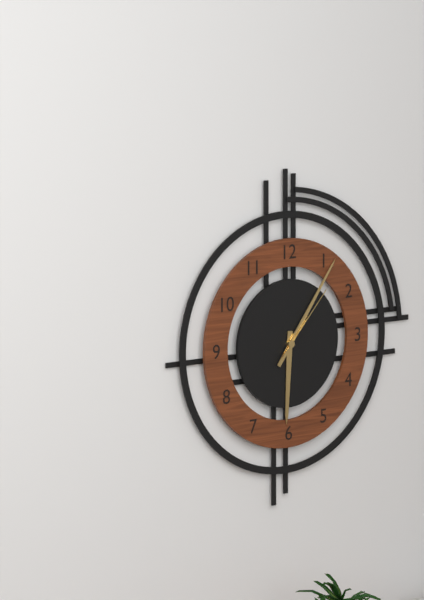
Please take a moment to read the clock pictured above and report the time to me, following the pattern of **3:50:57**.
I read **6:06:07**
